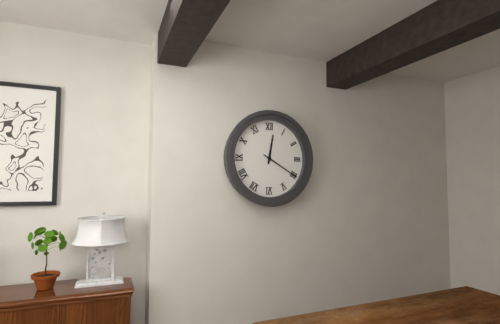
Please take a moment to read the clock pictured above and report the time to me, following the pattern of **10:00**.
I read **12:20**
